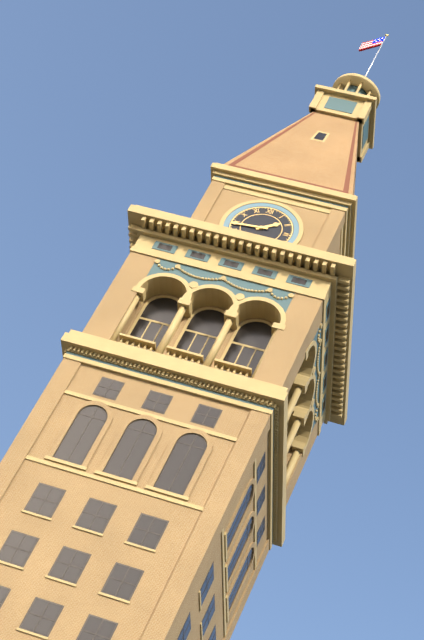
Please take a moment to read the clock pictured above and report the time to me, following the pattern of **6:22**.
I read **1:44**
